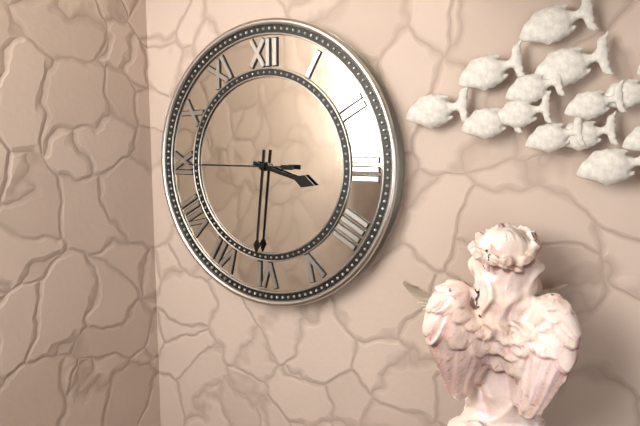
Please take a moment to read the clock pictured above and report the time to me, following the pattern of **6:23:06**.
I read **3:31:45**
